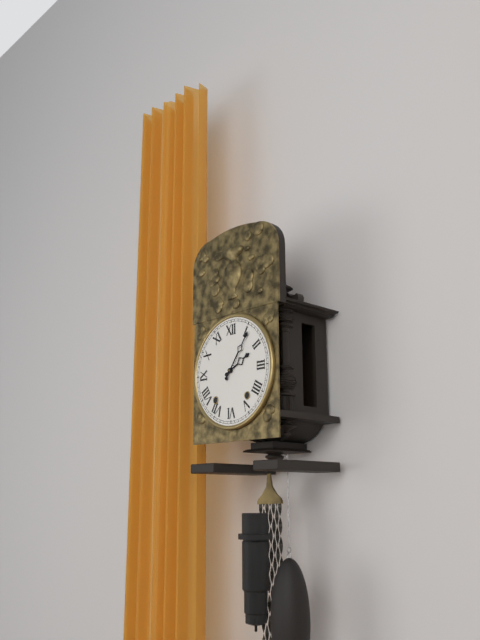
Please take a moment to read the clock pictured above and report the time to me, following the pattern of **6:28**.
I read **2:06**
